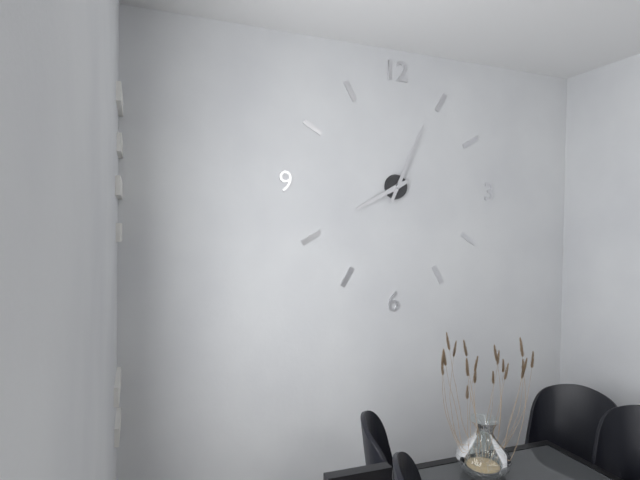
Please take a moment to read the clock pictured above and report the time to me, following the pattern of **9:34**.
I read **8:04**
